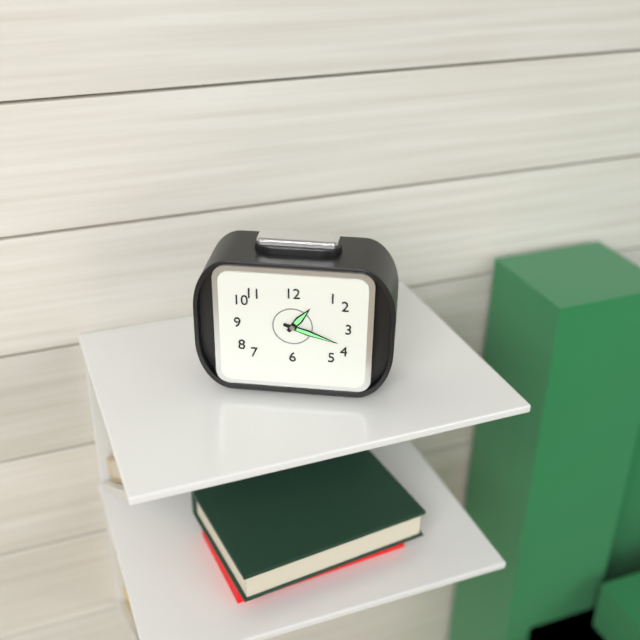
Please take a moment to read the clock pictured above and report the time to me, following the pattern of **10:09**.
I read **1:18**
